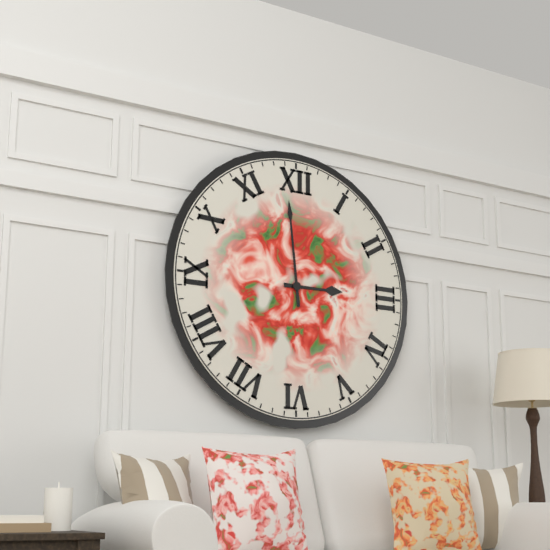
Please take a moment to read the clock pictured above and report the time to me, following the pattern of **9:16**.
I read **2:59**
